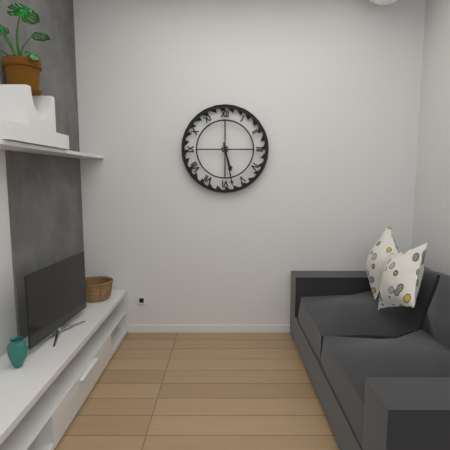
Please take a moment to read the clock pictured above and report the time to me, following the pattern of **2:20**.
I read **5:28**
